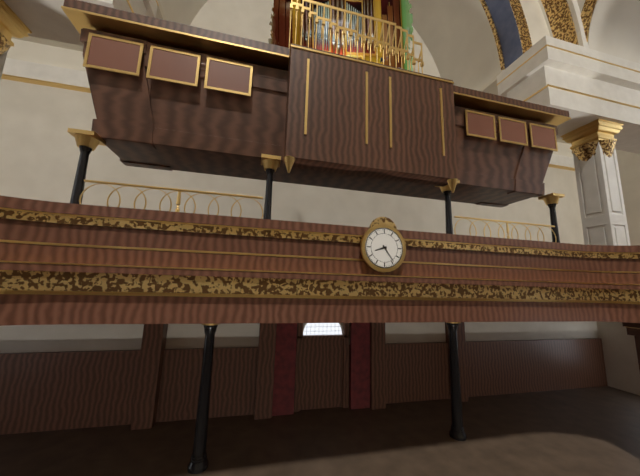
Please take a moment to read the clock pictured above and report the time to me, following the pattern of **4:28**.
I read **8:24**
